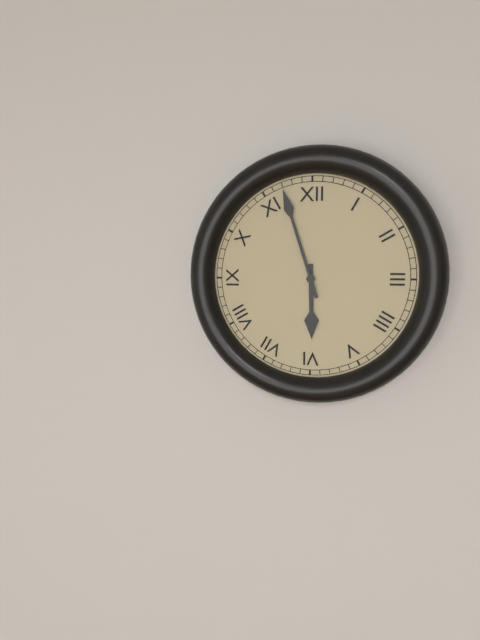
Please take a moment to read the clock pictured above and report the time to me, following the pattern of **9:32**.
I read **5:57**
